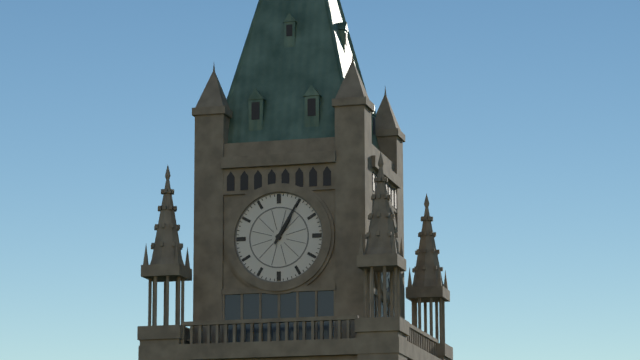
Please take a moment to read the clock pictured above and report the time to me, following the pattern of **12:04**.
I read **1:05**
